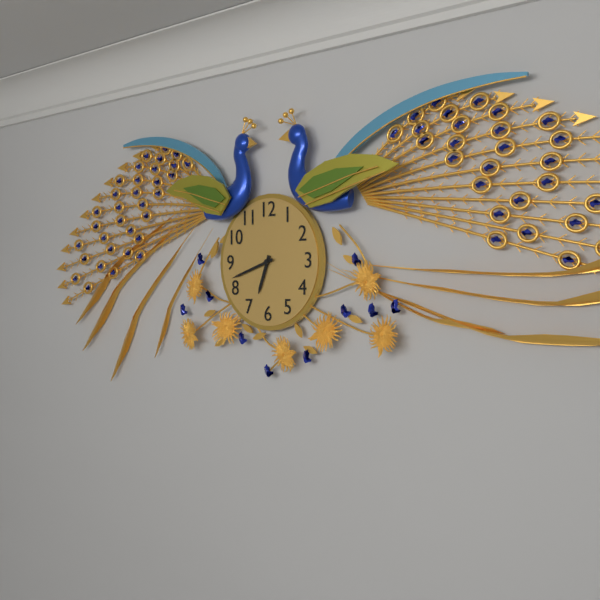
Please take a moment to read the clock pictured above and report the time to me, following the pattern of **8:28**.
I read **6:42**
